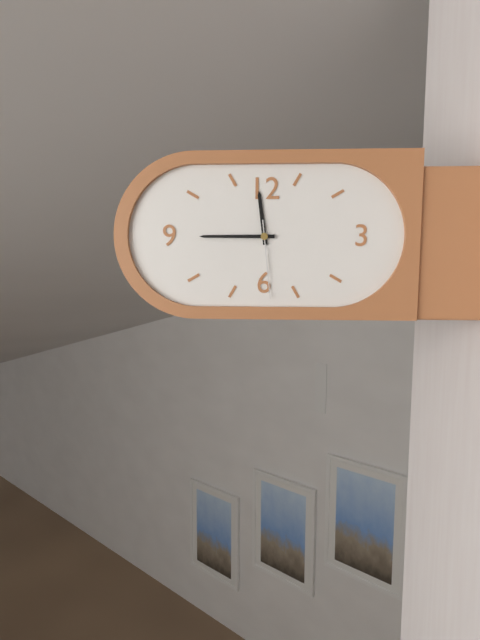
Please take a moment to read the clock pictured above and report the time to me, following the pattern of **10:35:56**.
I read **11:45:29**
